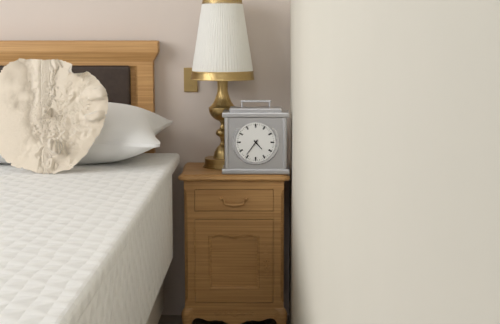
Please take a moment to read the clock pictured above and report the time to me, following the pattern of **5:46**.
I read **4:36**
